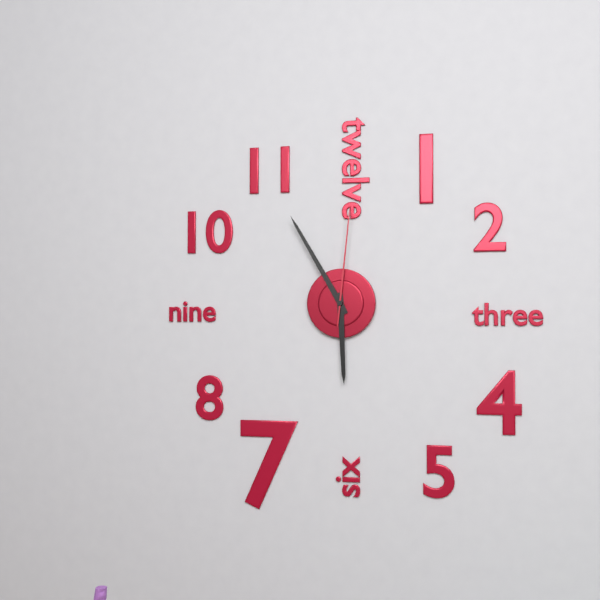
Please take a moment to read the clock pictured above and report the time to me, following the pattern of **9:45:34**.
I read **5:55:01**
